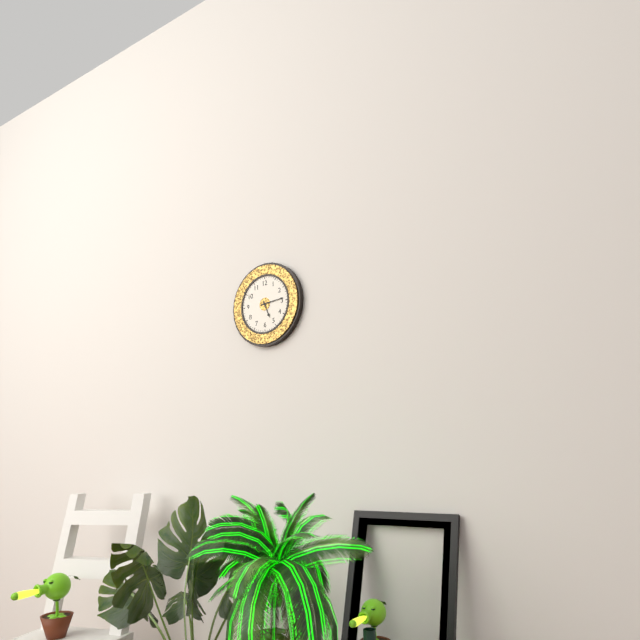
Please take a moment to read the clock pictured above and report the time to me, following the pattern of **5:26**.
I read **5:14**
